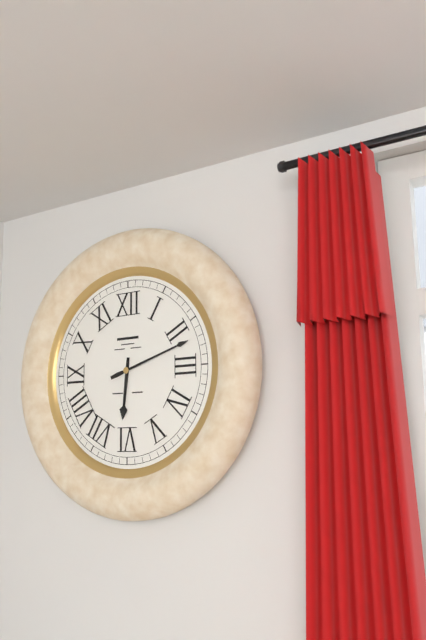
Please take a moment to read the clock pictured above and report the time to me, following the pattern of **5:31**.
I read **6:12**
